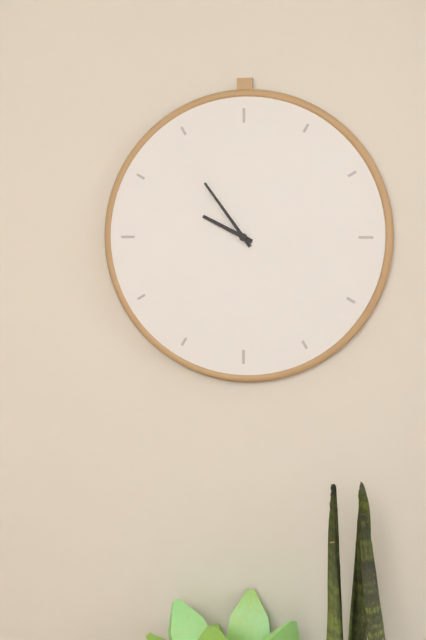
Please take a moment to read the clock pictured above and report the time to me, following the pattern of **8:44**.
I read **9:54**
